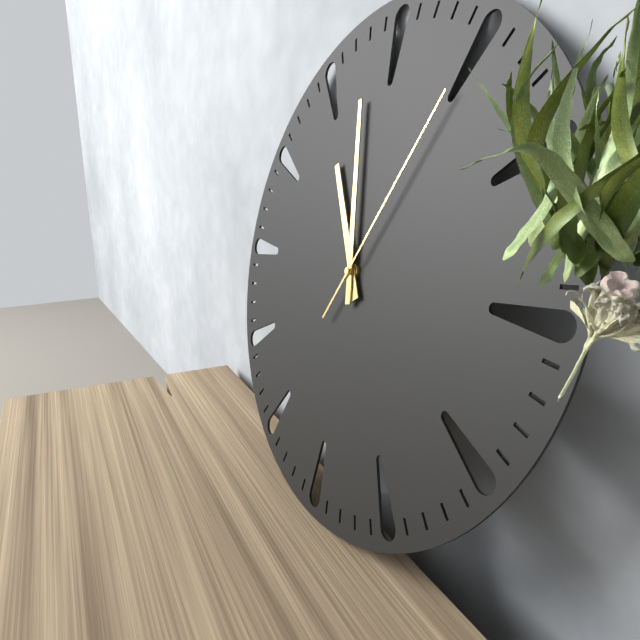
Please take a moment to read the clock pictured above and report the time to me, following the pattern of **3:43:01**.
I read **10:58:05**
